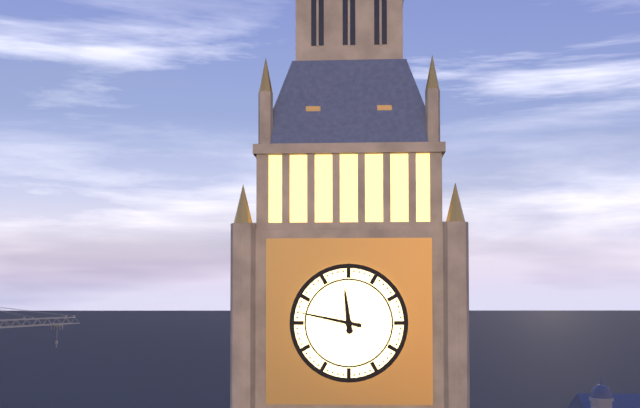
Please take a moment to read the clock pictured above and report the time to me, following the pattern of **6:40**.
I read **11:47**
